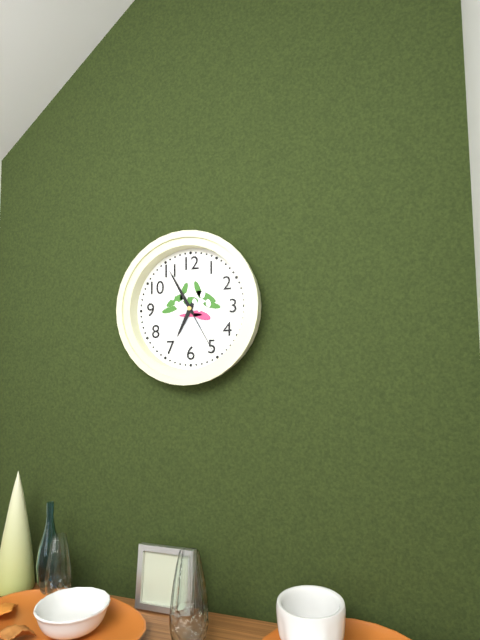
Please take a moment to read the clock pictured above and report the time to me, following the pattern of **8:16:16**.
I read **6:55:25**
